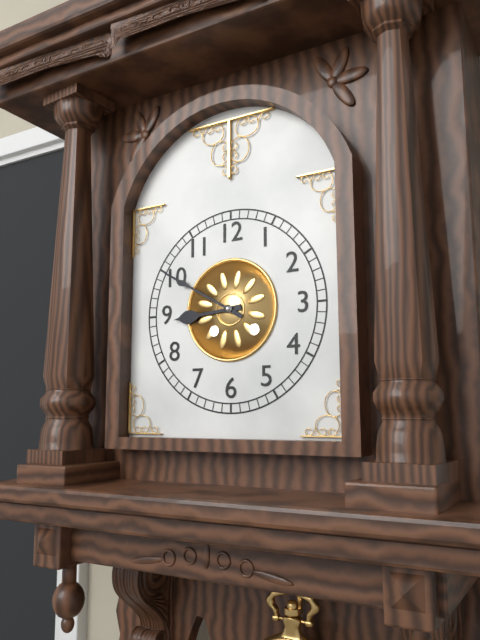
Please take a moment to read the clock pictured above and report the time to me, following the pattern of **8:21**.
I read **8:50**
